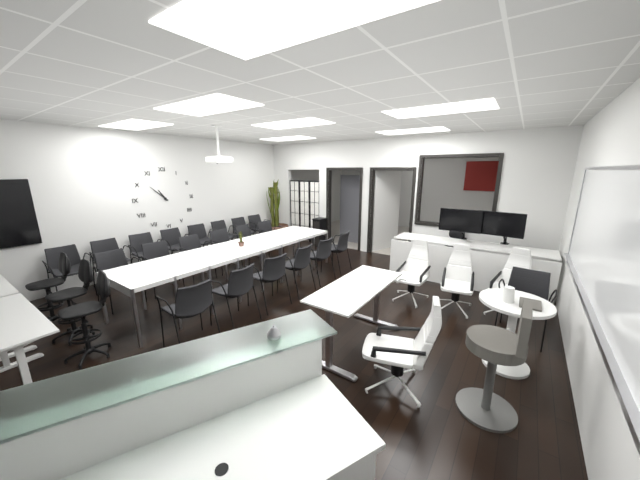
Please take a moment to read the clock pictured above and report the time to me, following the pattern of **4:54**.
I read **10:52**
